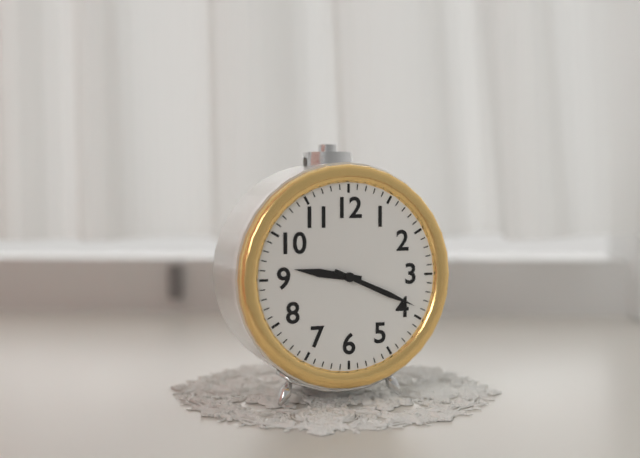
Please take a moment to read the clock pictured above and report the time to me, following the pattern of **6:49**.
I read **9:19**
